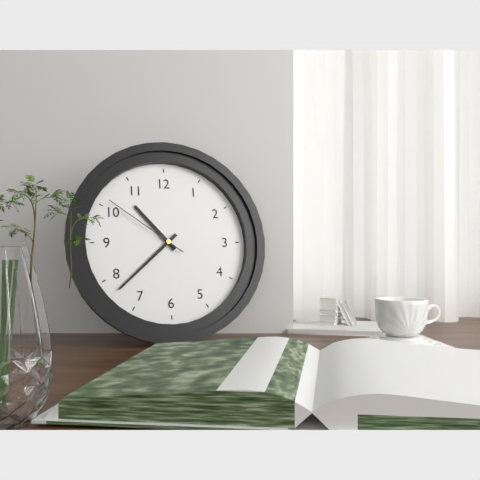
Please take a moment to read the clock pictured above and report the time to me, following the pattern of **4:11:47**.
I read **10:38:51**
